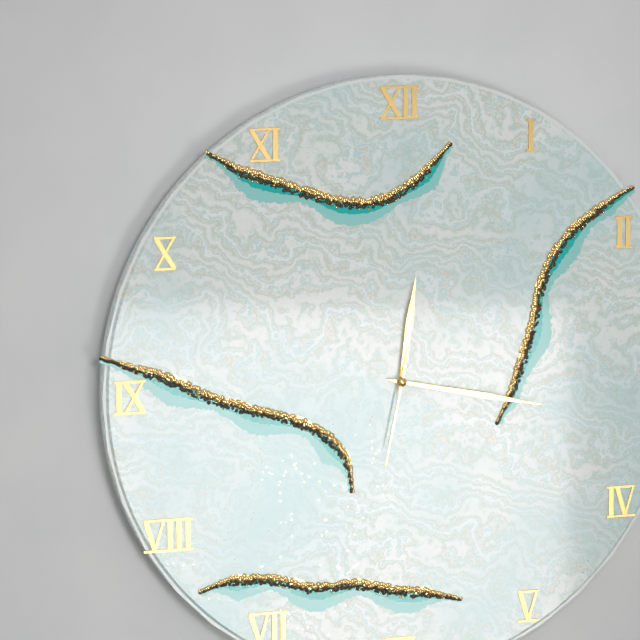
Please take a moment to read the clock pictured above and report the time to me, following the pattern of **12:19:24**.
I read **12:17:32**
